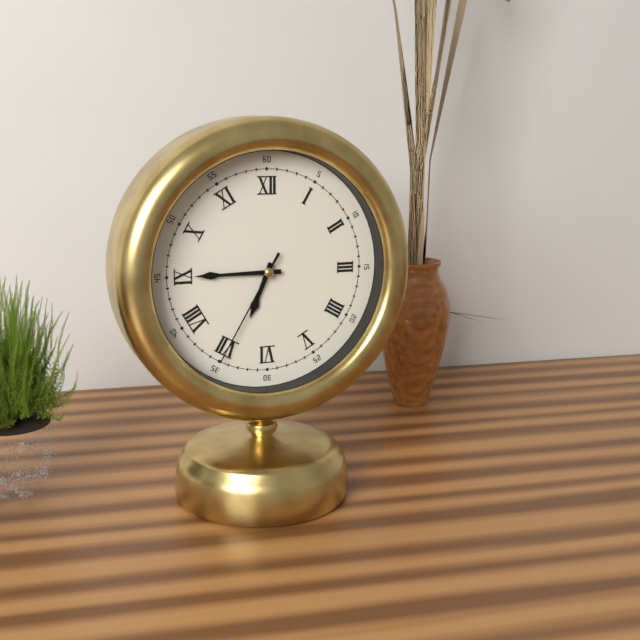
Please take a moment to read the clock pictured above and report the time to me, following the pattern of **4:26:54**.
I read **6:45:35**
